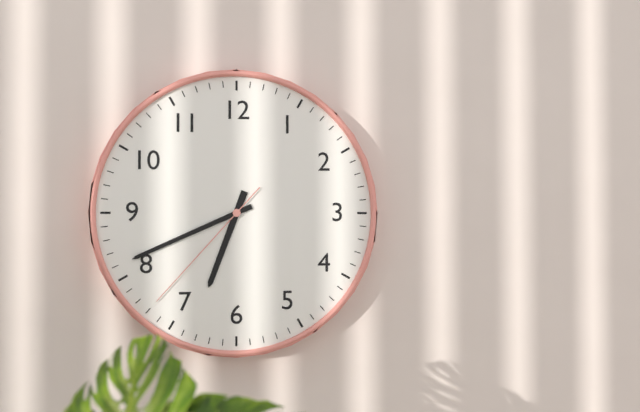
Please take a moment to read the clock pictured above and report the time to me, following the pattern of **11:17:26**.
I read **6:41:37**
